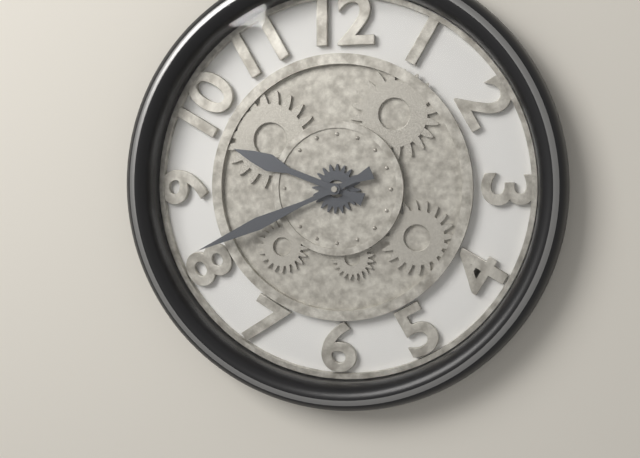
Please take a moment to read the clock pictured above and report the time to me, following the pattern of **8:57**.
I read **9:41**
